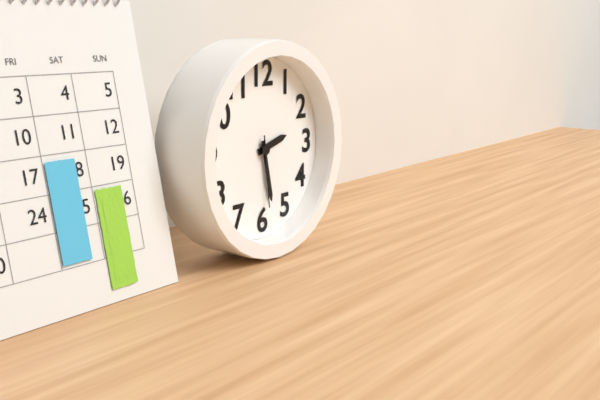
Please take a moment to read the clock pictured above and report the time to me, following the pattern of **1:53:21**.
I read **2:28:29**
